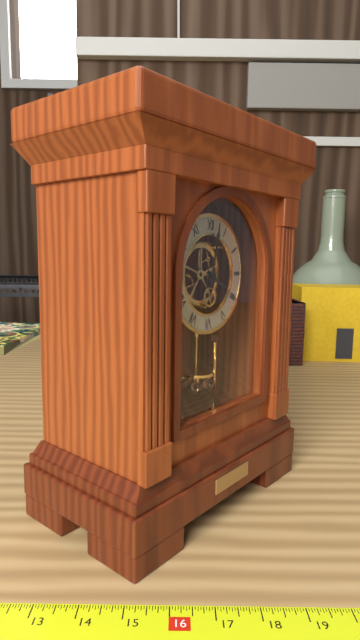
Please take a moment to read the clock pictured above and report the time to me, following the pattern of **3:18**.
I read **4:02**
